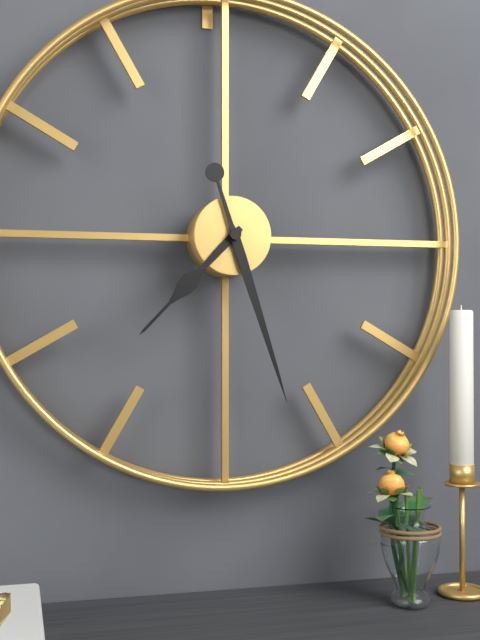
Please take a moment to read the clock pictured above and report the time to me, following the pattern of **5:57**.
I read **7:27**
